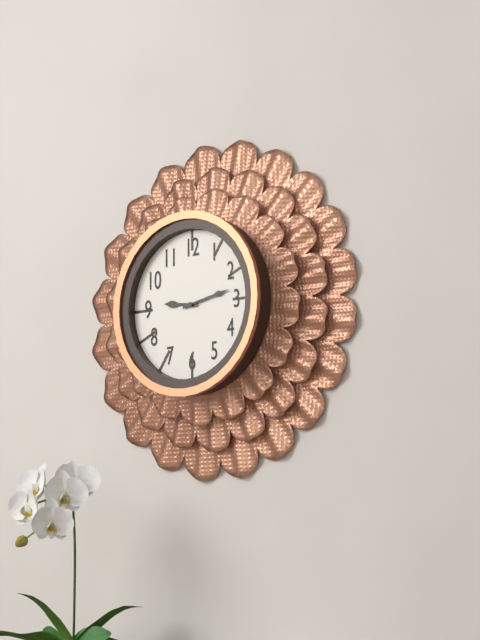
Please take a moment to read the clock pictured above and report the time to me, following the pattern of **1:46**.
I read **9:13**
